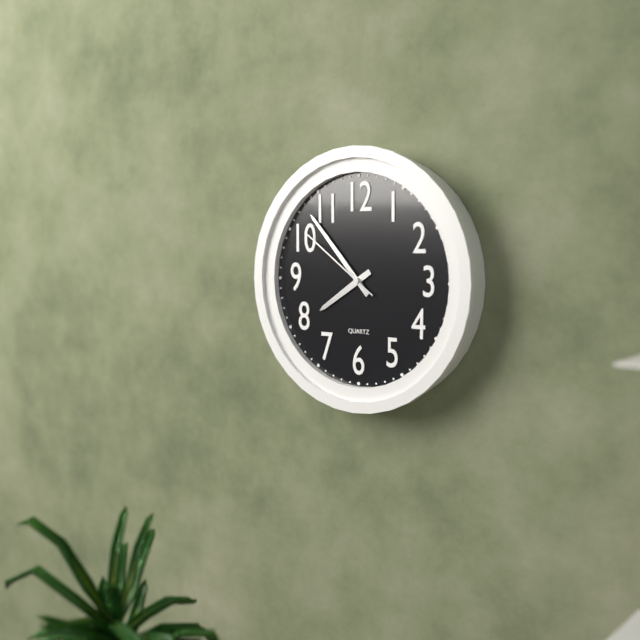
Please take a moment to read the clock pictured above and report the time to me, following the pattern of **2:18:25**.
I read **7:53:51**
